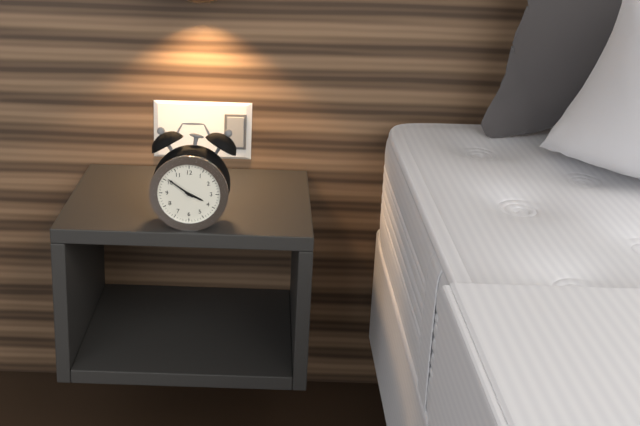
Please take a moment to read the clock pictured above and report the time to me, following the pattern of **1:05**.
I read **3:51**
